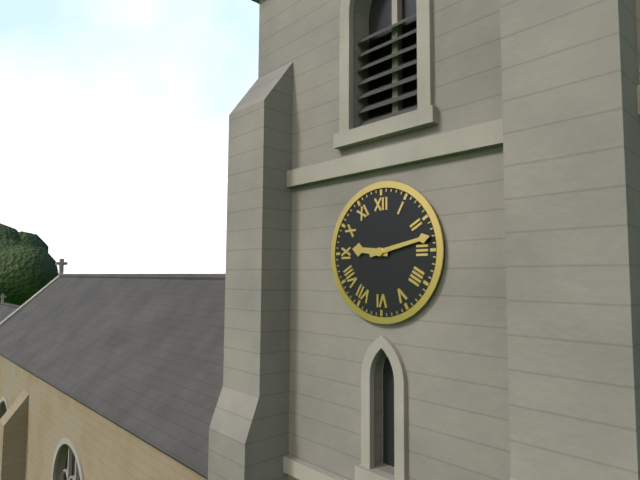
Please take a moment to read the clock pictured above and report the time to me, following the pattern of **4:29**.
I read **9:13**
